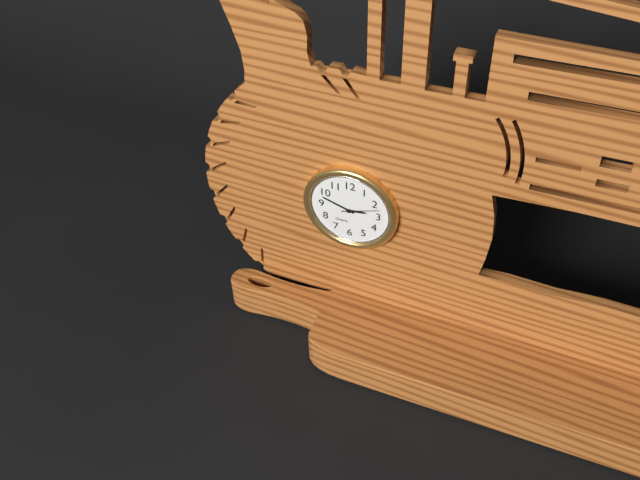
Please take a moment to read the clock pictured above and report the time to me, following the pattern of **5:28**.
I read **2:48**
